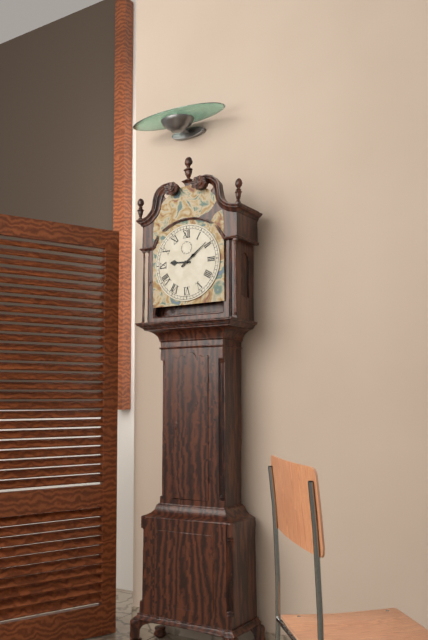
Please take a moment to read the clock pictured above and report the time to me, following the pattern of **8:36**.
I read **9:09**
